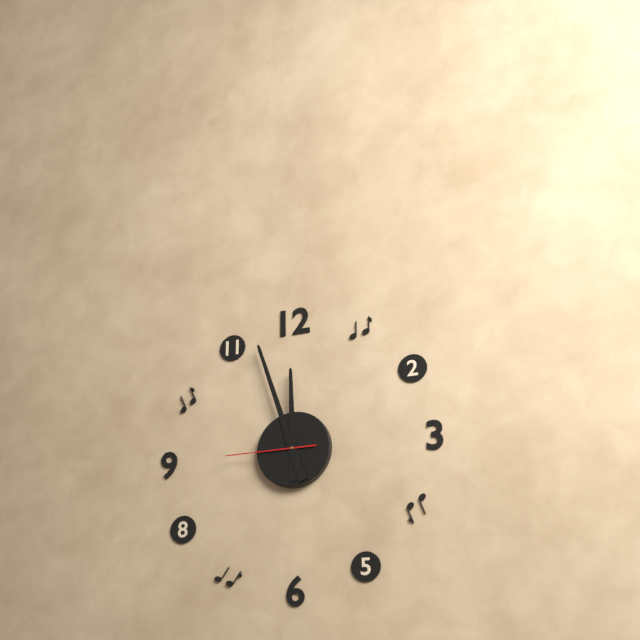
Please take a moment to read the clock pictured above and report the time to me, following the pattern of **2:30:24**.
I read **11:57:45**
